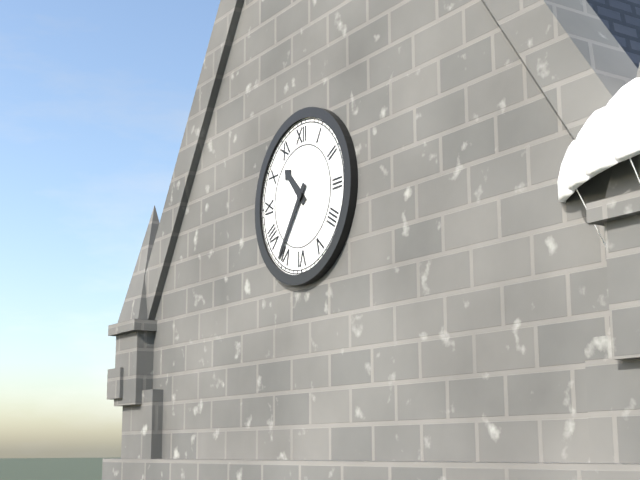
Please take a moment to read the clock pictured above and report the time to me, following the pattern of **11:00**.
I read **10:36**
